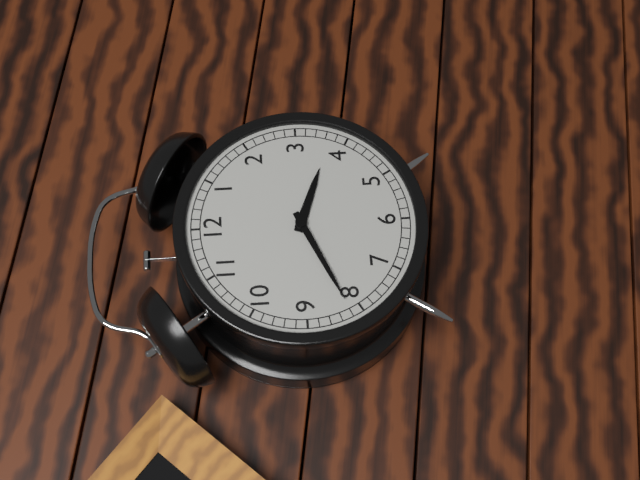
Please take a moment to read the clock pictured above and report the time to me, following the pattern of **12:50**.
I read **3:41**
